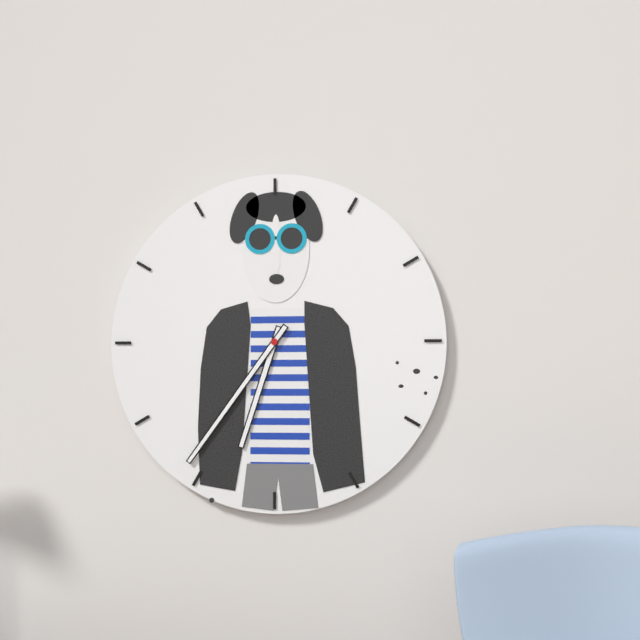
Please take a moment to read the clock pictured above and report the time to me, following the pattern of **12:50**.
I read **6:36**
